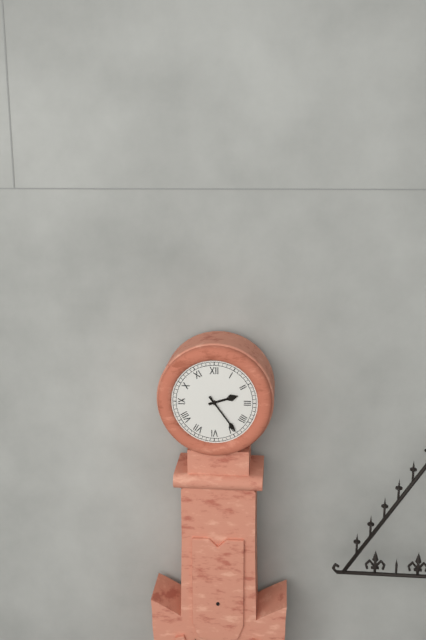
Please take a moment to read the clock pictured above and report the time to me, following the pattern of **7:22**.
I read **2:24**
